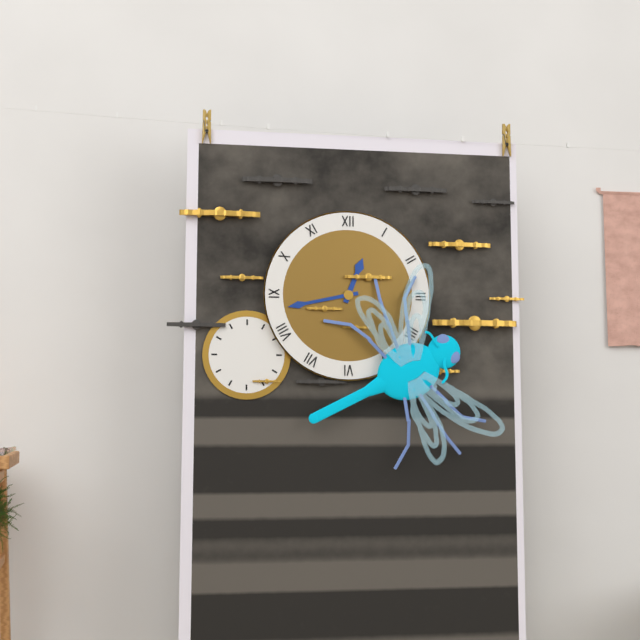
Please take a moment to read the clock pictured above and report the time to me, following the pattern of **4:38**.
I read **12:43**
